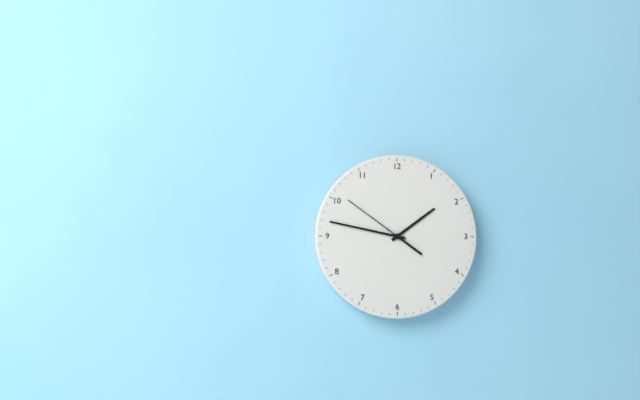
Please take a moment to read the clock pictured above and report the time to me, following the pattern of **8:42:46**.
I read **1:47:51**
